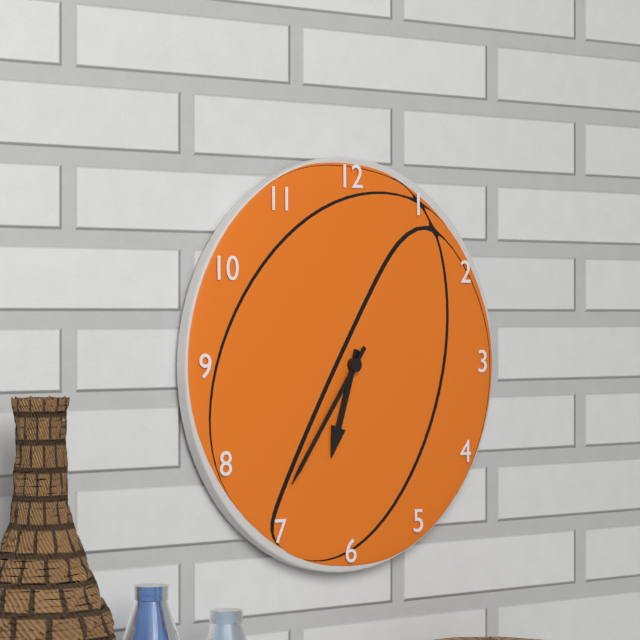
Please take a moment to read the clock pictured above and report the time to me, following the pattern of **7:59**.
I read **6:36**
